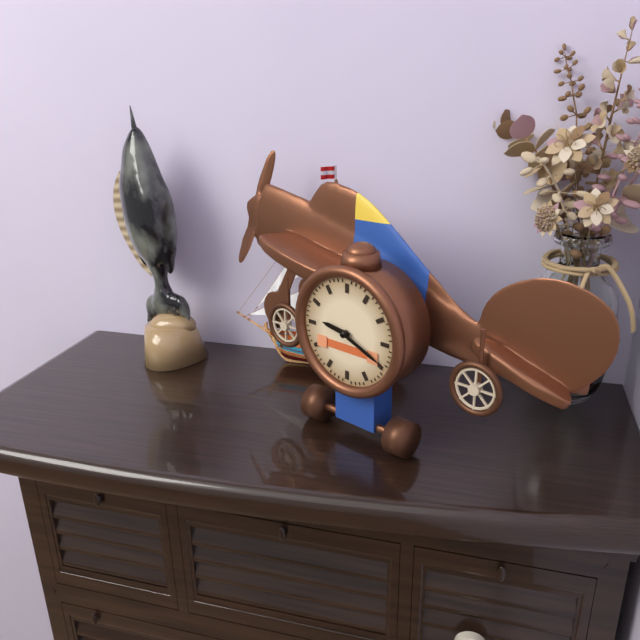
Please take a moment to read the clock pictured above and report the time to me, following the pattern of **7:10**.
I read **9:19**
